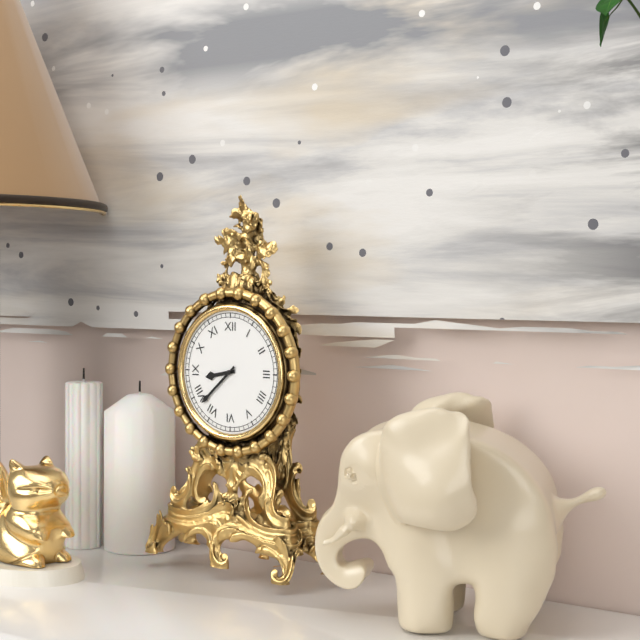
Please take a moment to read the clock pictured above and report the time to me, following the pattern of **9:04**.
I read **8:38**
